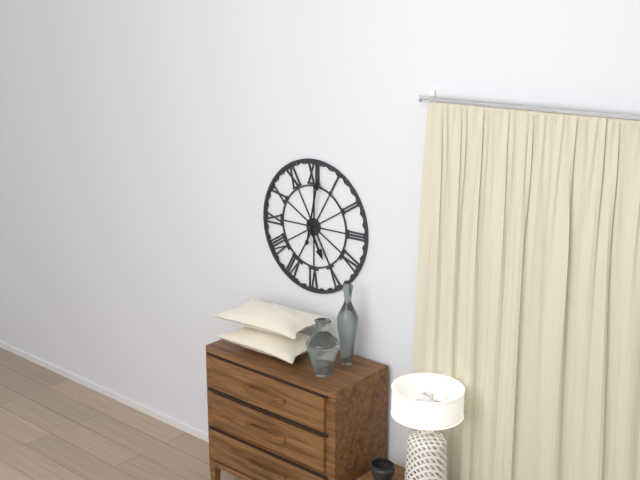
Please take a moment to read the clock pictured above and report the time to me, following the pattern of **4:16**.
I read **5:02**
